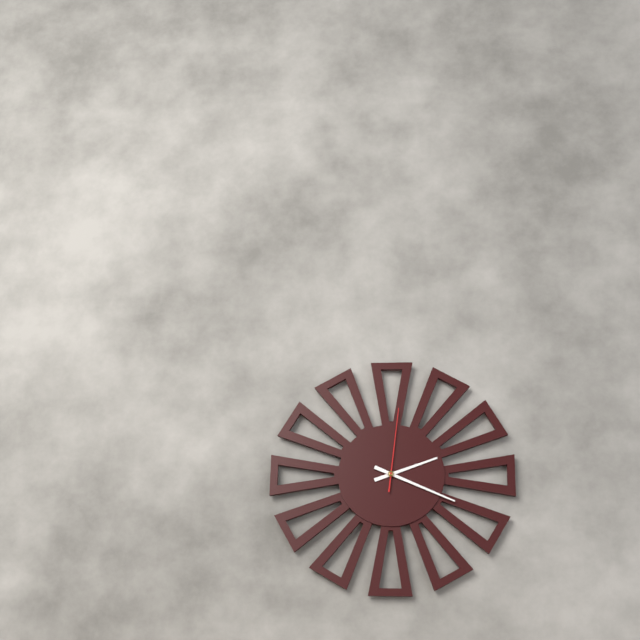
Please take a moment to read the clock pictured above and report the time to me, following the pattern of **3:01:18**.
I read **2:19:01**
